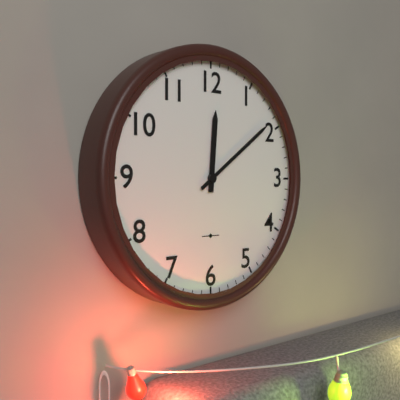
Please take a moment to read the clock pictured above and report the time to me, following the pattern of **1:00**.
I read **12:09**
